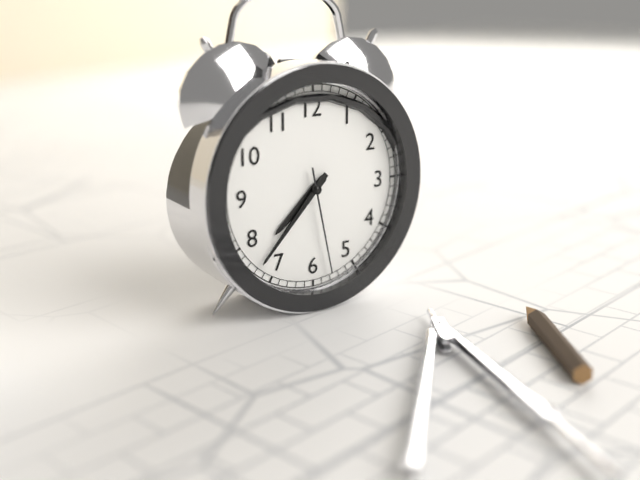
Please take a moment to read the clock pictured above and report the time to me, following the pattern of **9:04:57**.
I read **7:37:28**
